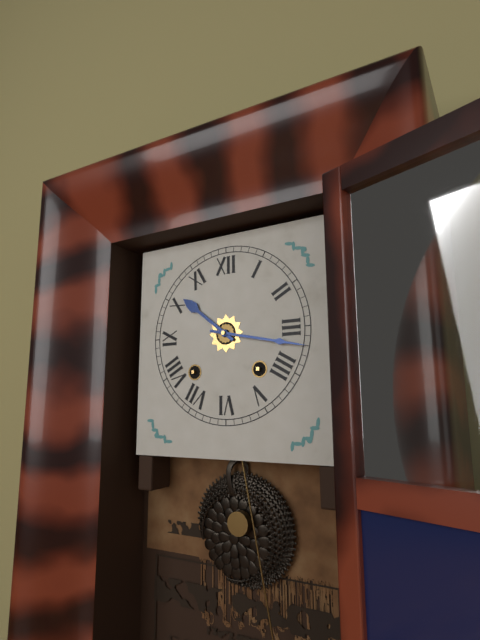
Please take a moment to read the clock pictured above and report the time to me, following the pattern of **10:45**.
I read **10:17**
